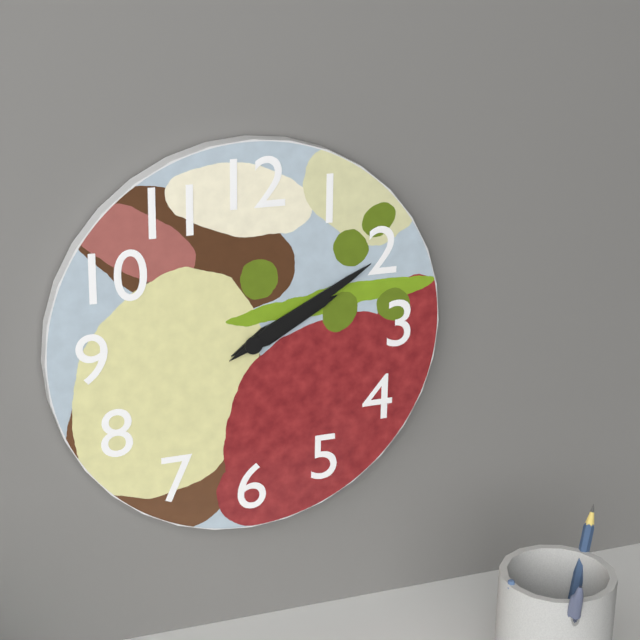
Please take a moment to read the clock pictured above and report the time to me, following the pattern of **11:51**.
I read **2:10**
